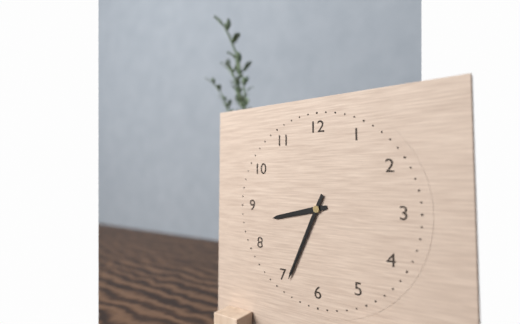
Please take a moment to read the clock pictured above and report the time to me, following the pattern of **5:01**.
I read **8:34**
